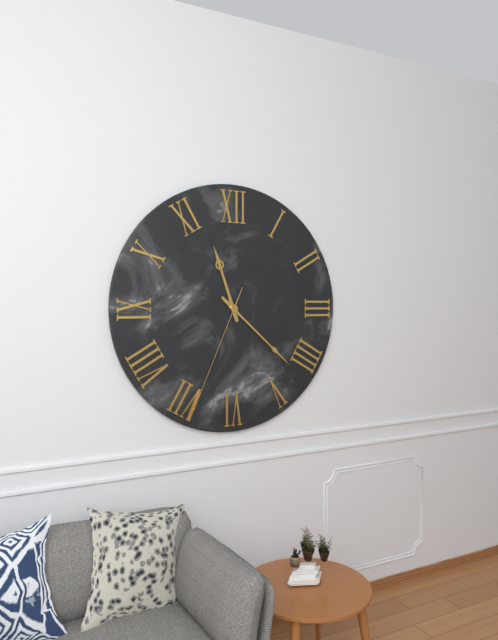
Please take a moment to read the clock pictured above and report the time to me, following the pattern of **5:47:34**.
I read **11:22:34**
